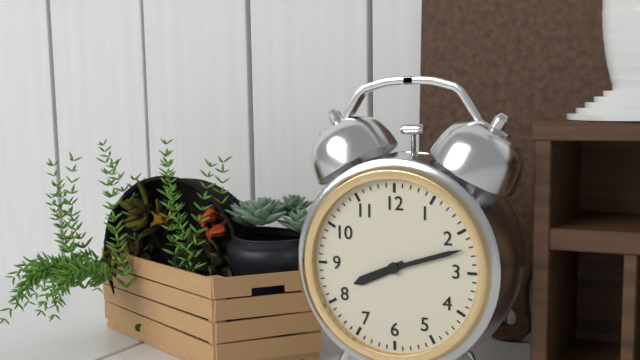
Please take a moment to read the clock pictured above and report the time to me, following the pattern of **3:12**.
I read **8:12**
